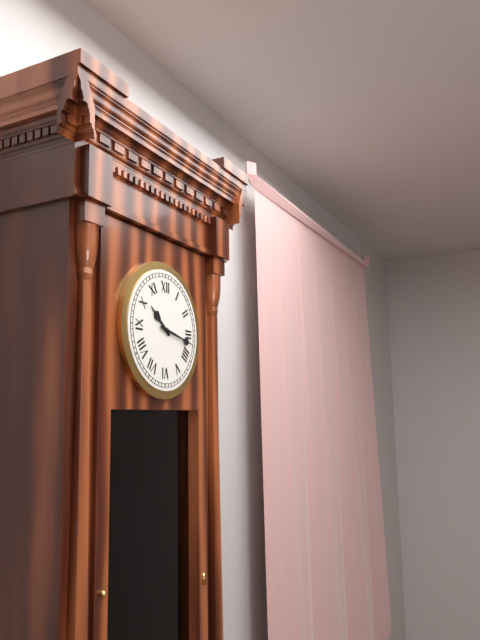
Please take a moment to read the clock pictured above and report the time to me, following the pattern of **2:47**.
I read **10:17**
